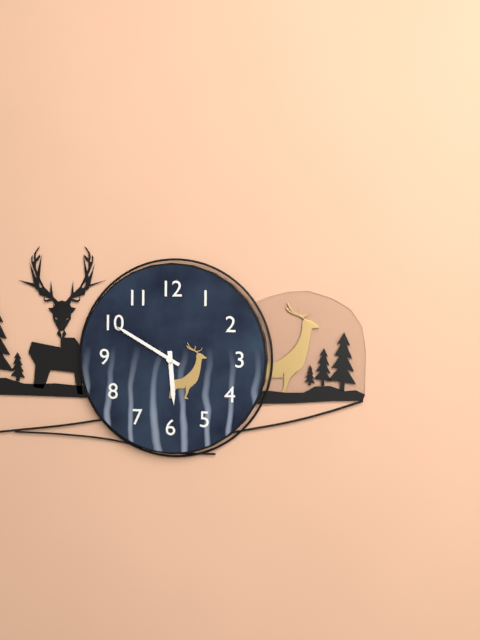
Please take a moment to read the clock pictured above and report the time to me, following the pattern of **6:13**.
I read **5:50**
